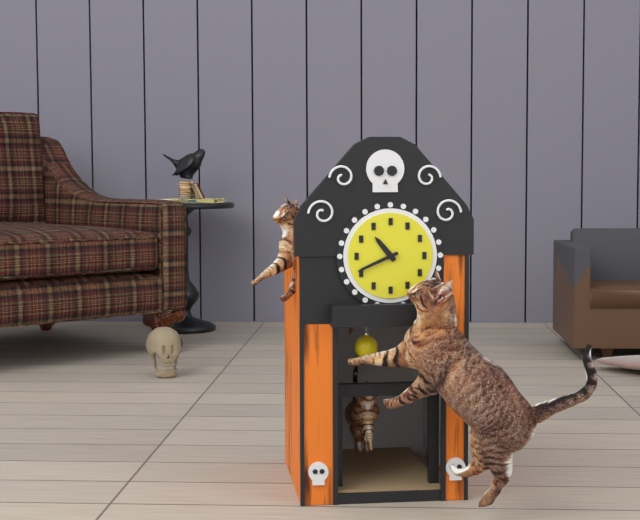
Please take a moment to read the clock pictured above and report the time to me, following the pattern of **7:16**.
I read **10:41**
